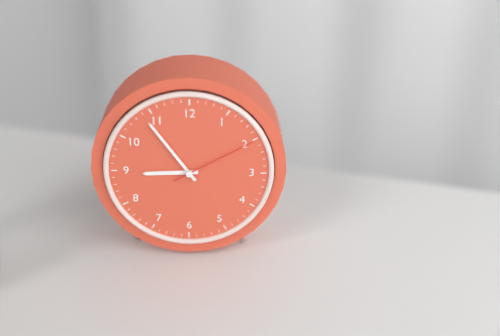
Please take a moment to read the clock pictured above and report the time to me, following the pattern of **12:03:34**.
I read **8:54:10**
